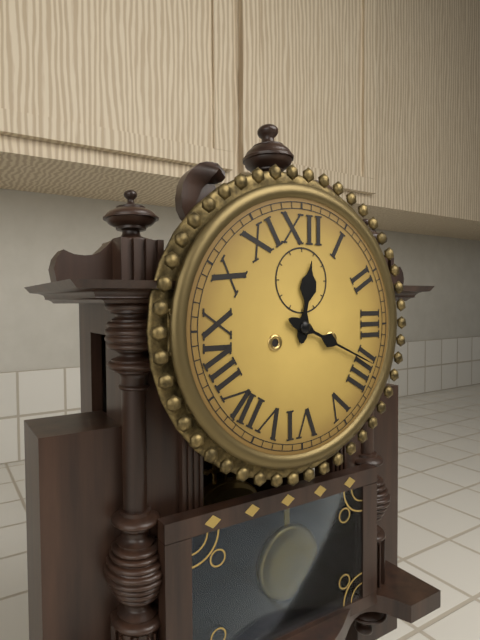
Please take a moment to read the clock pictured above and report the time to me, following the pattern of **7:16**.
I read **12:19**
